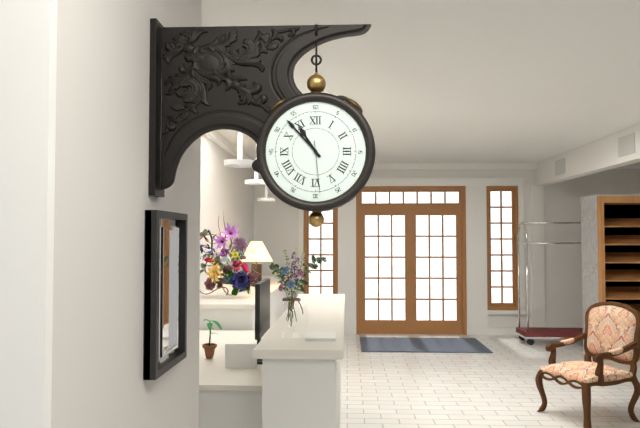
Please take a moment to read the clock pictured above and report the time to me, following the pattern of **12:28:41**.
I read **10:53:29**
